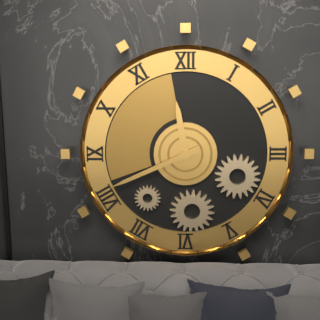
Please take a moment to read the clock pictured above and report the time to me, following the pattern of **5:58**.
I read **11:41**
